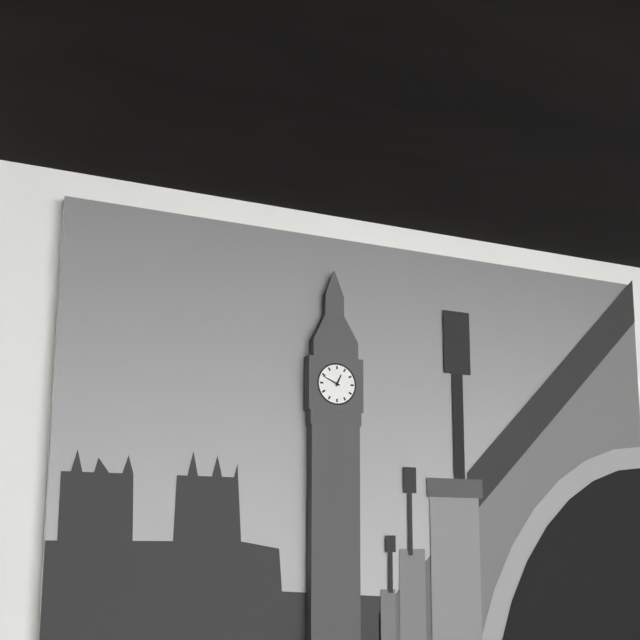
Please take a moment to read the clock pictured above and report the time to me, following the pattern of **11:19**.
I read **12:49**
